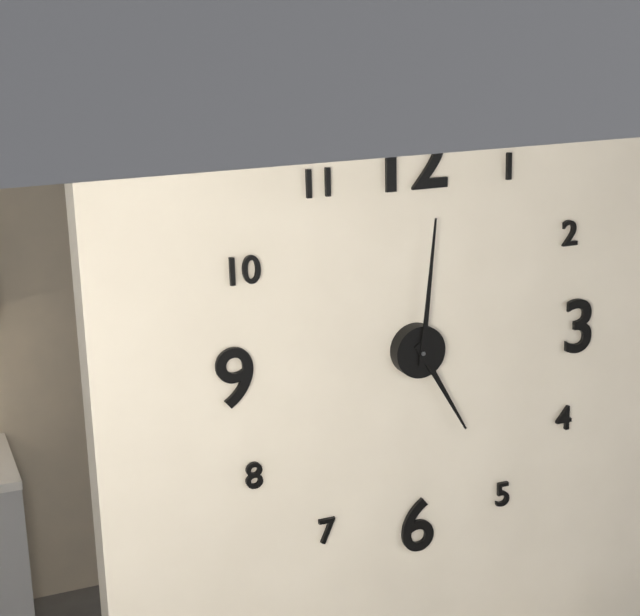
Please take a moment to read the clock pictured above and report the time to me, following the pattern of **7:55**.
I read **5:01**
